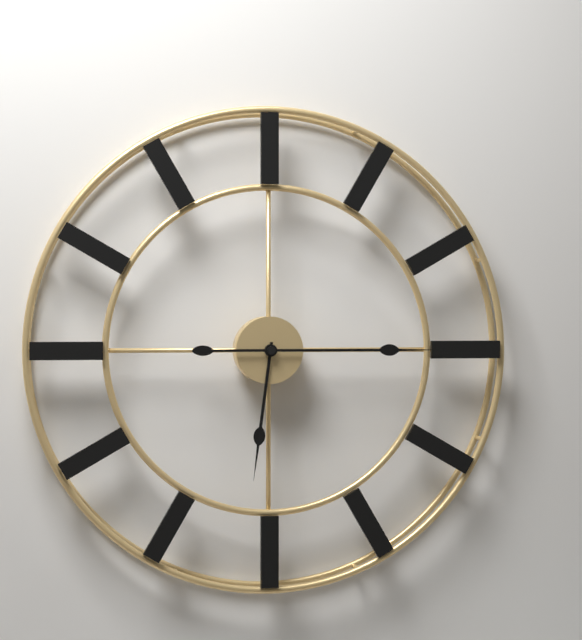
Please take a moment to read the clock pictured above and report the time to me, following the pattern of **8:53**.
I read **6:15**
